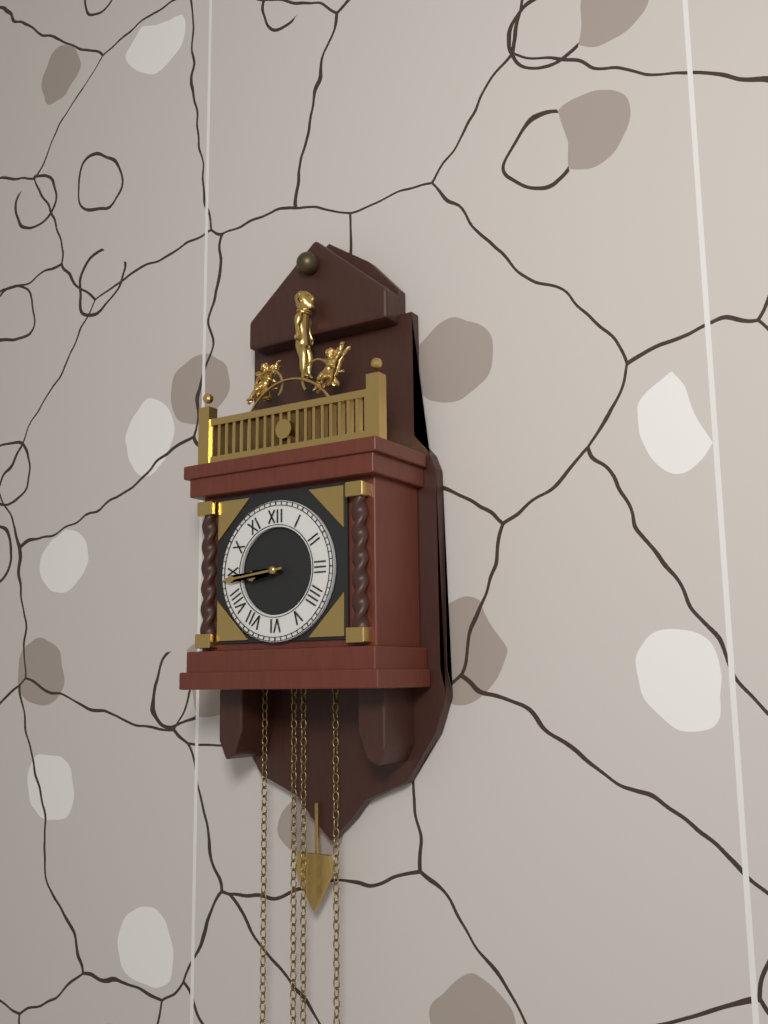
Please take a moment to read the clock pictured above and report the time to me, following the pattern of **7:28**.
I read **8:44**
